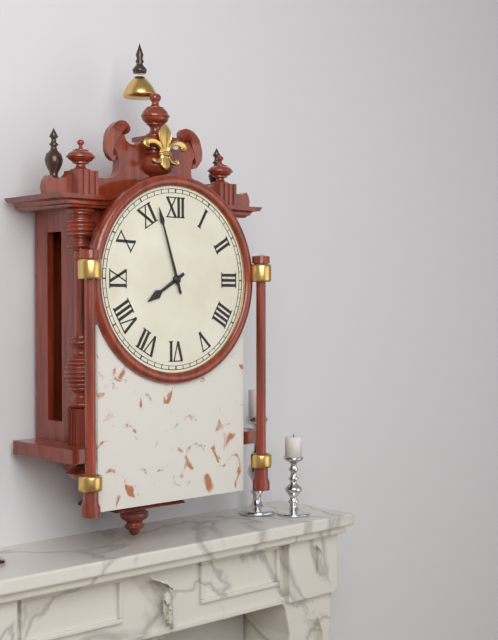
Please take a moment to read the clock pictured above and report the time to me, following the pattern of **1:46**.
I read **7:57**
